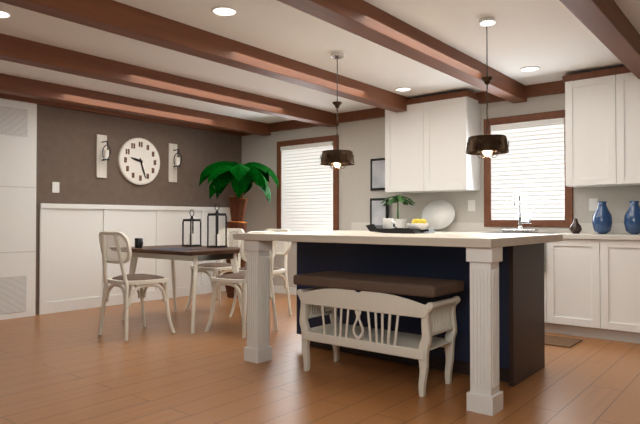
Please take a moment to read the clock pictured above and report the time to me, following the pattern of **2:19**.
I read **9:27**
